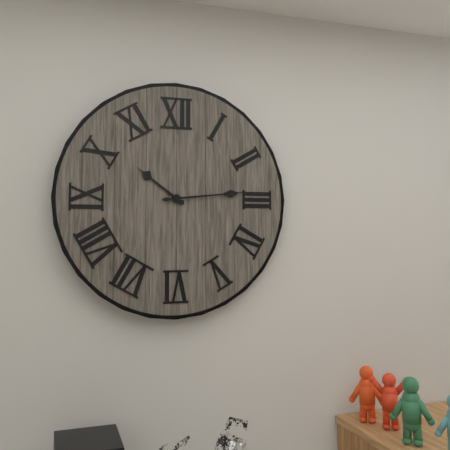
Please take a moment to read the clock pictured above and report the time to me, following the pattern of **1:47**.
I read **10:14**
